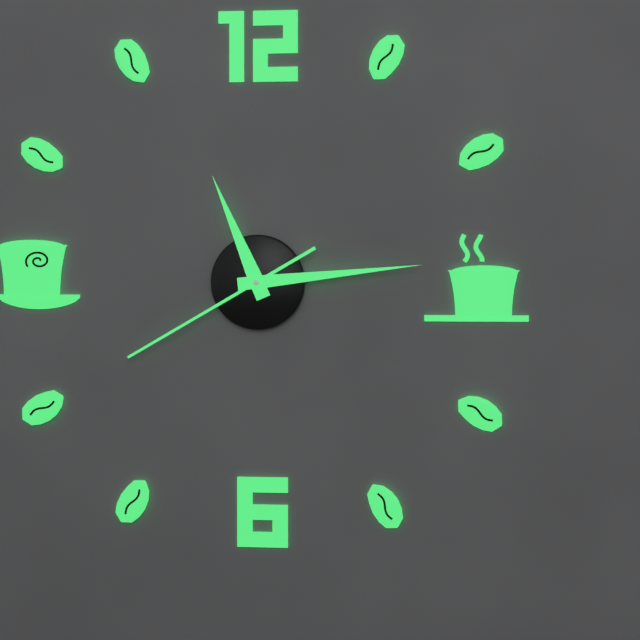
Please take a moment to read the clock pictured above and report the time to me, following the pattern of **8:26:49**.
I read **11:14:40**
